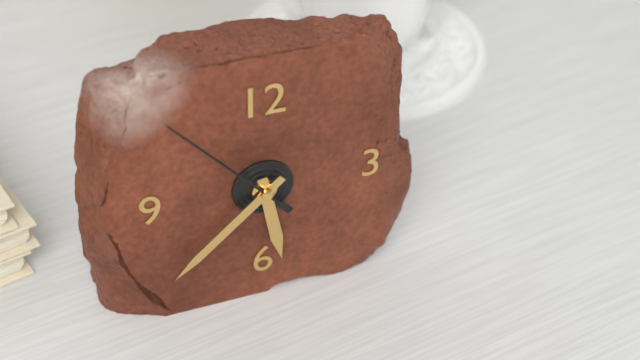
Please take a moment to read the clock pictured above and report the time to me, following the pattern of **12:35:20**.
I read **5:38:53**
